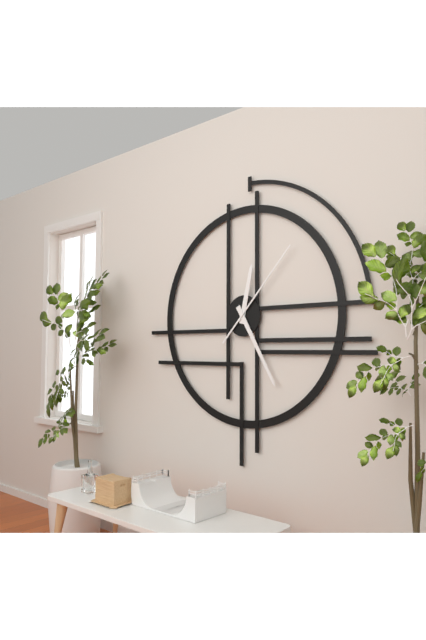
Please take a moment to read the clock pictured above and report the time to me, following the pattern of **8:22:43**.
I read **12:25:07**
